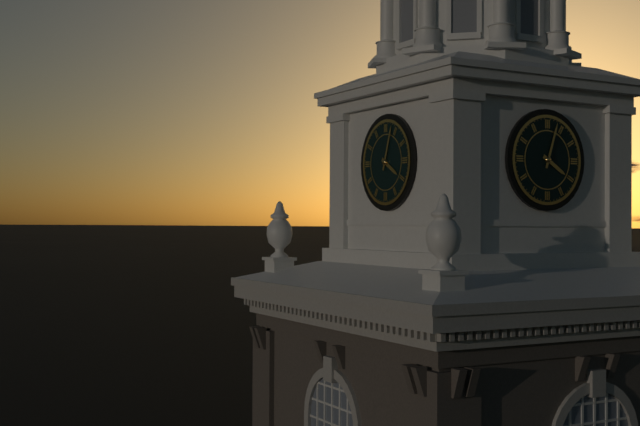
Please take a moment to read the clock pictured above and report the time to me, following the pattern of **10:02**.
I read **4:03**
